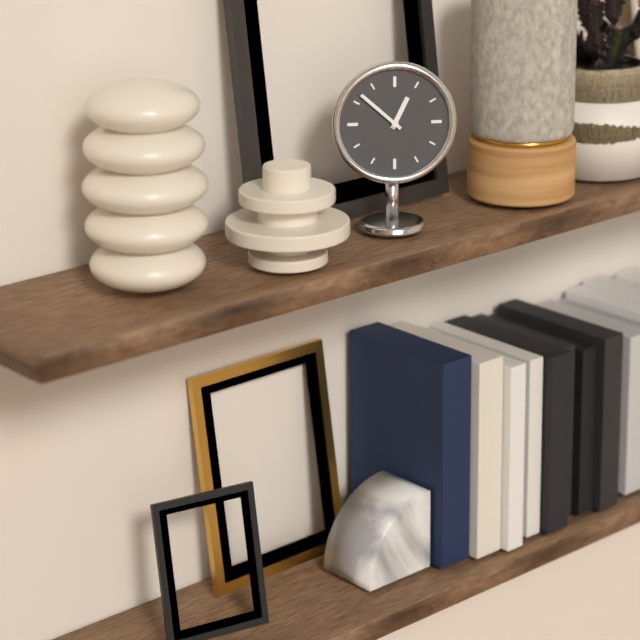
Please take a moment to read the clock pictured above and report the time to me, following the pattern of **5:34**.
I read **12:52**
